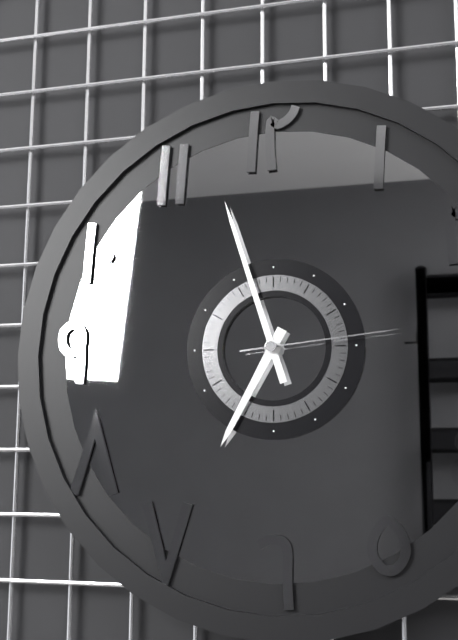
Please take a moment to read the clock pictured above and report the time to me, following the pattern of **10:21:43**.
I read **6:57:14**
